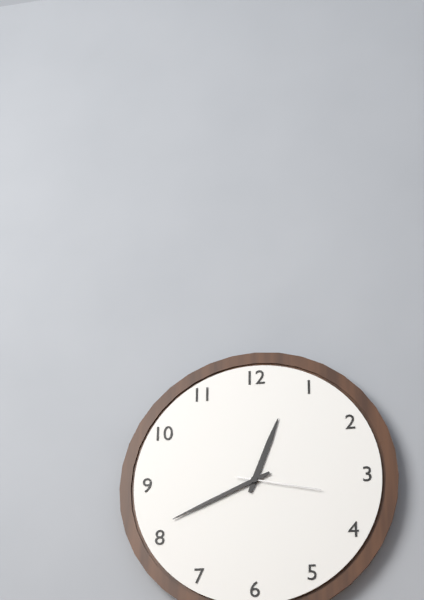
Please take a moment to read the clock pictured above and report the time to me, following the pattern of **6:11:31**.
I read **12:41:17**
